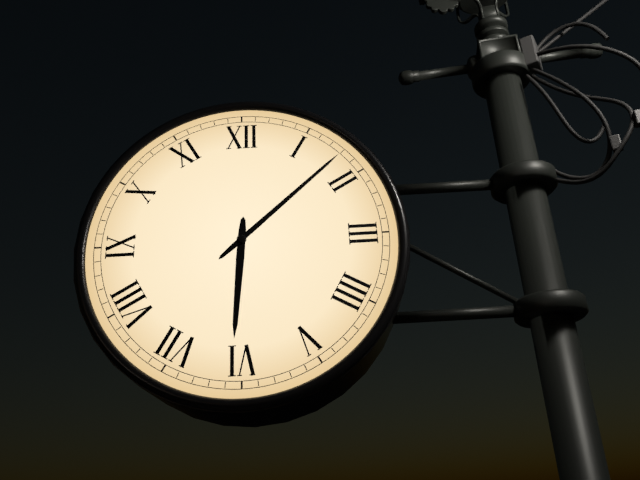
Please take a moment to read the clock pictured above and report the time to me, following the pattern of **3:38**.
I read **6:08**
